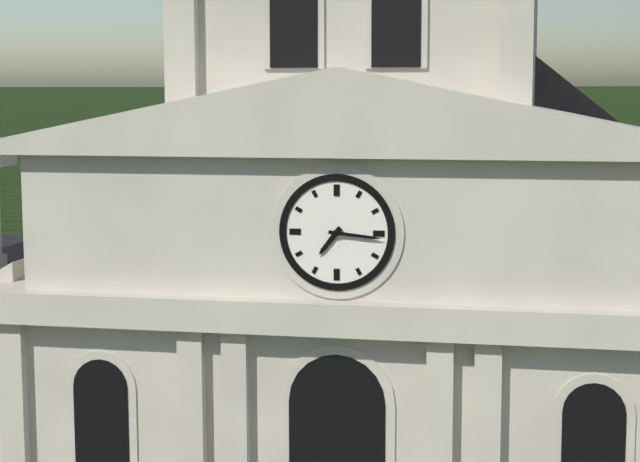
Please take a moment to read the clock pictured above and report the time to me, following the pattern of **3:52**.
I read **7:16**
